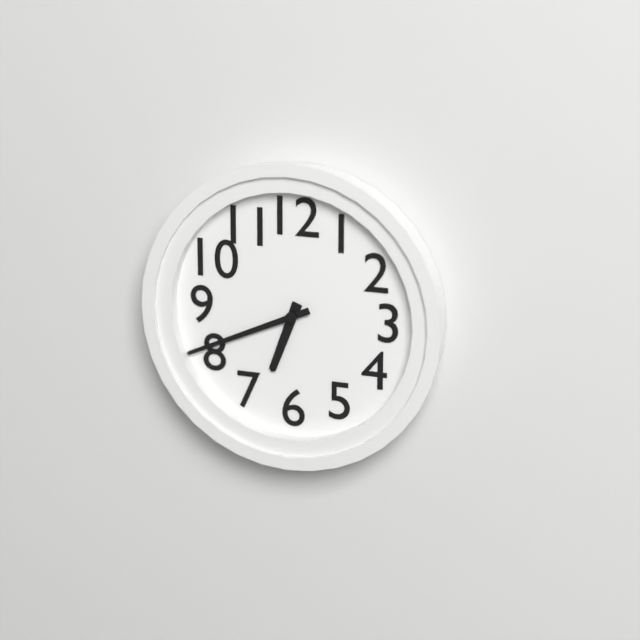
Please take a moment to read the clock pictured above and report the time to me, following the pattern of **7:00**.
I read **6:41**
